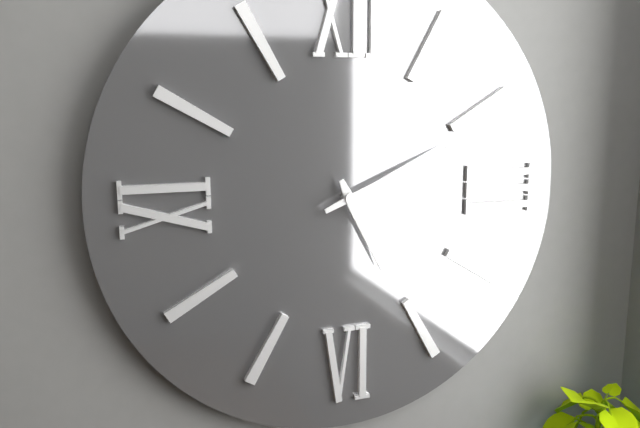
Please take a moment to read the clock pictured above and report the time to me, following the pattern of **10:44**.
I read **5:11**
